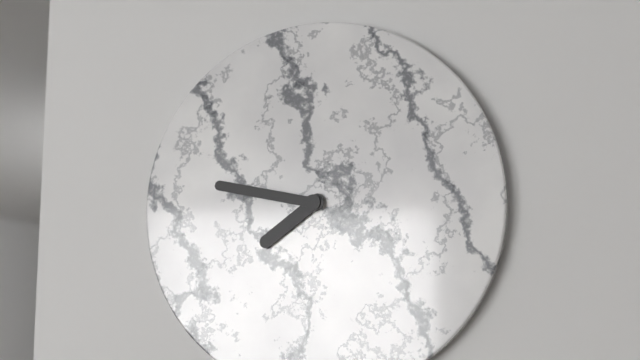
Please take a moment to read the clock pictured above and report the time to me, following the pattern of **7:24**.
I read **7:47**
